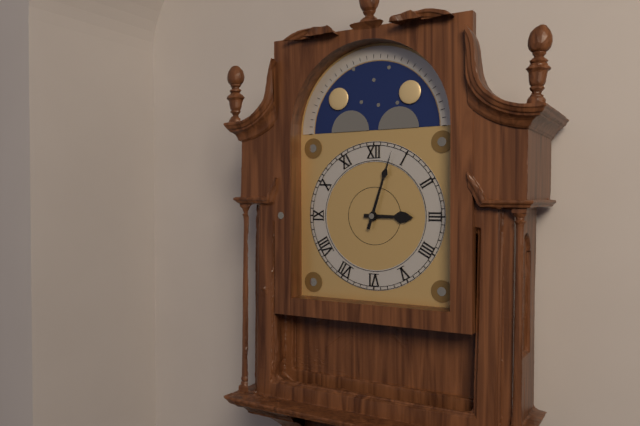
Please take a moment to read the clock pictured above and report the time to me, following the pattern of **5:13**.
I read **3:03**
